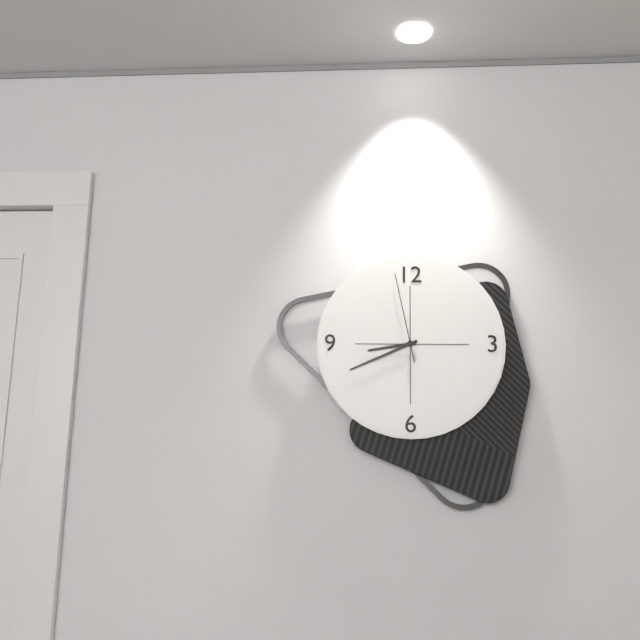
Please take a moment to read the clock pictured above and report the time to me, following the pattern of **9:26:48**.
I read **8:41:58**
